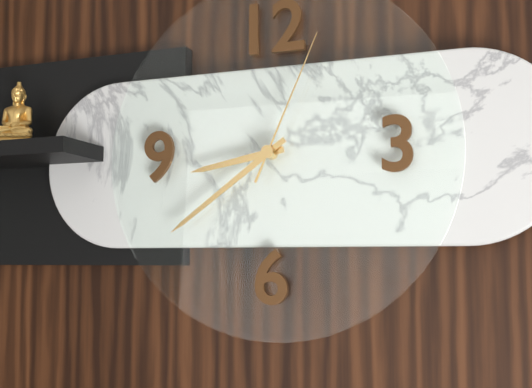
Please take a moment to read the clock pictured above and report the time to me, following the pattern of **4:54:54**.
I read **8:39:04**
